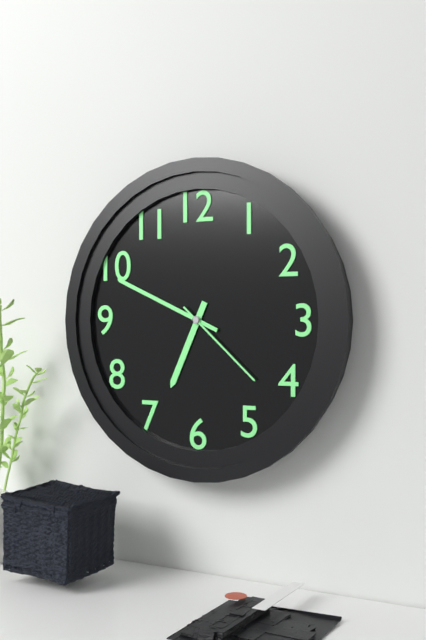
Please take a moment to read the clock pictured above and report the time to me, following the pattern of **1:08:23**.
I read **6:49:22**
